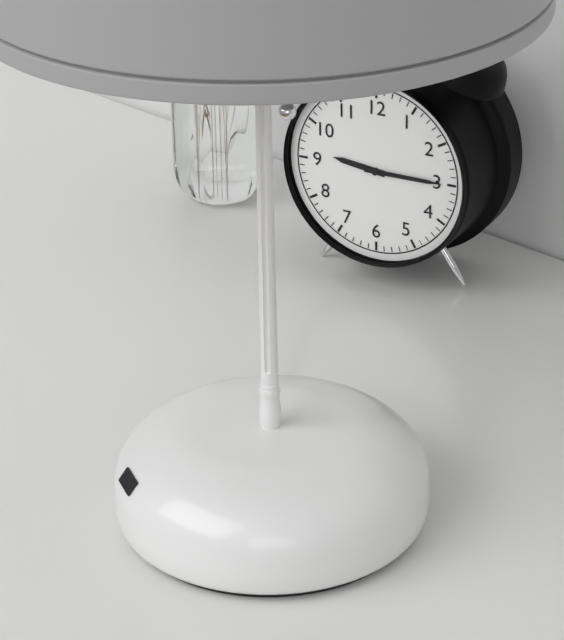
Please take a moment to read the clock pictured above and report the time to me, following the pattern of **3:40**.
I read **9:15**
